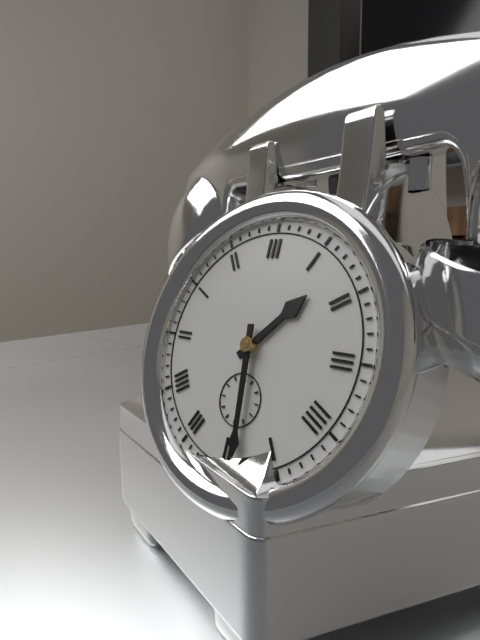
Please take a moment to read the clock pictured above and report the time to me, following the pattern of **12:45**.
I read **1:29**
